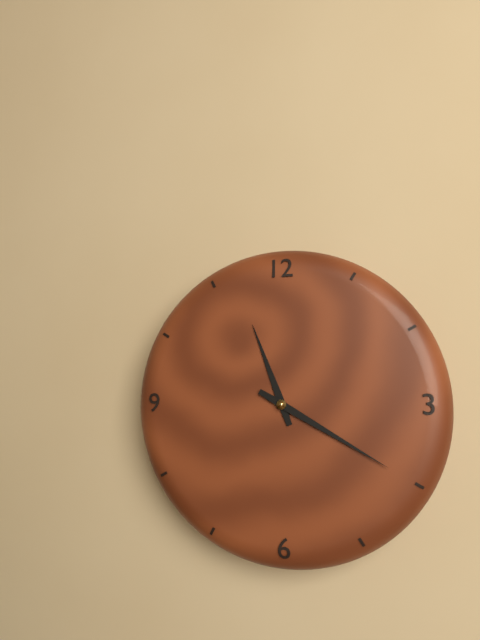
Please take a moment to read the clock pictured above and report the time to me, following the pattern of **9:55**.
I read **11:20**
